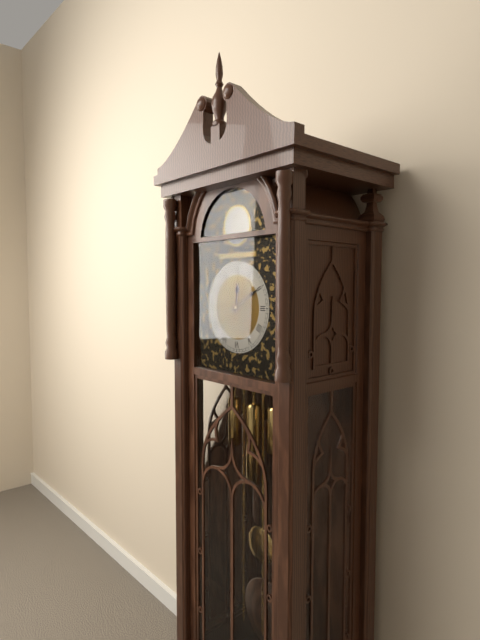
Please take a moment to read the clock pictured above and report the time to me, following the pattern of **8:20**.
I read **12:10**
